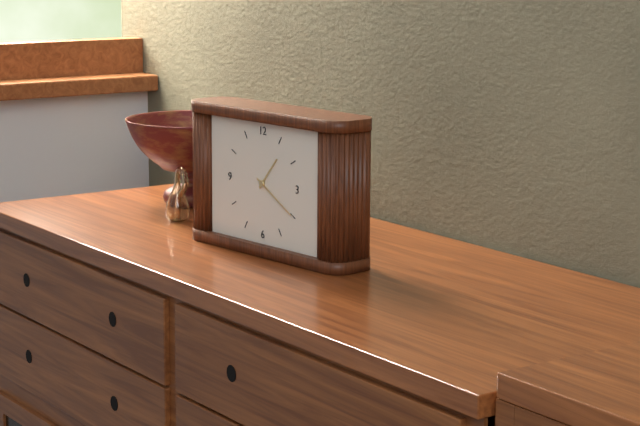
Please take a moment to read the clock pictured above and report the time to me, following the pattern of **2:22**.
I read **1:20**
